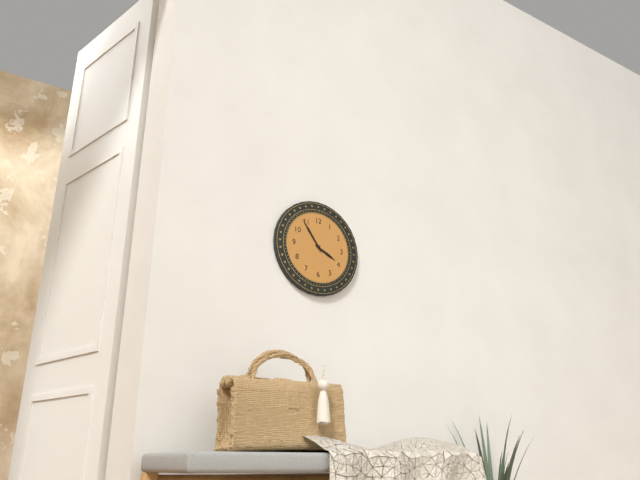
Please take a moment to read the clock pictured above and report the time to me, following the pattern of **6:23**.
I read **3:54**
